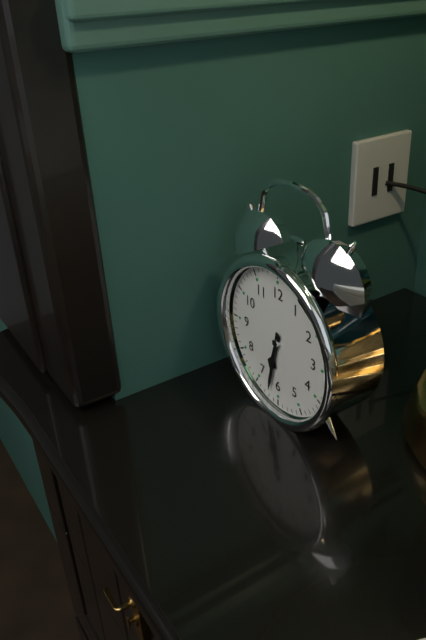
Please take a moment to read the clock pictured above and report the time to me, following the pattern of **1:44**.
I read **6:32**
